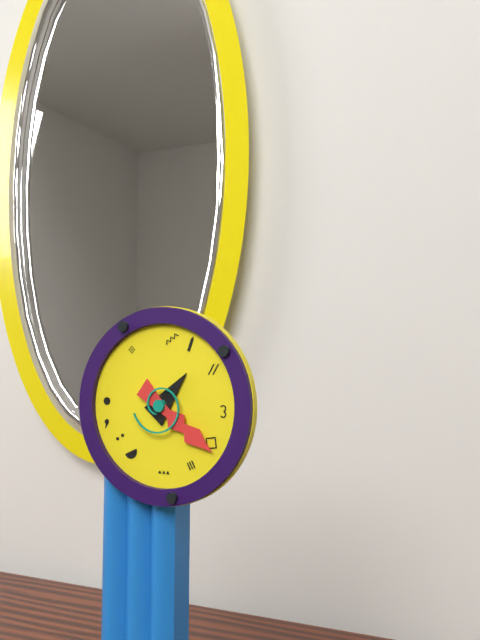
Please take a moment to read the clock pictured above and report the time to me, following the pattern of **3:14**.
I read **1:21**
